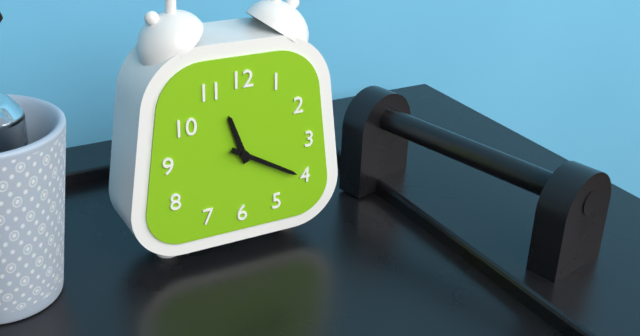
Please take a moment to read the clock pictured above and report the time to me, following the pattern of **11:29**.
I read **11:20**
